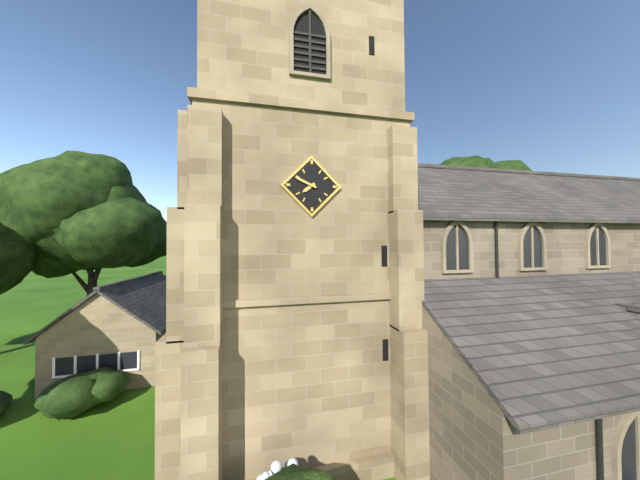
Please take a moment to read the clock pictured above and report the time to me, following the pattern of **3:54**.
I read **7:49**
